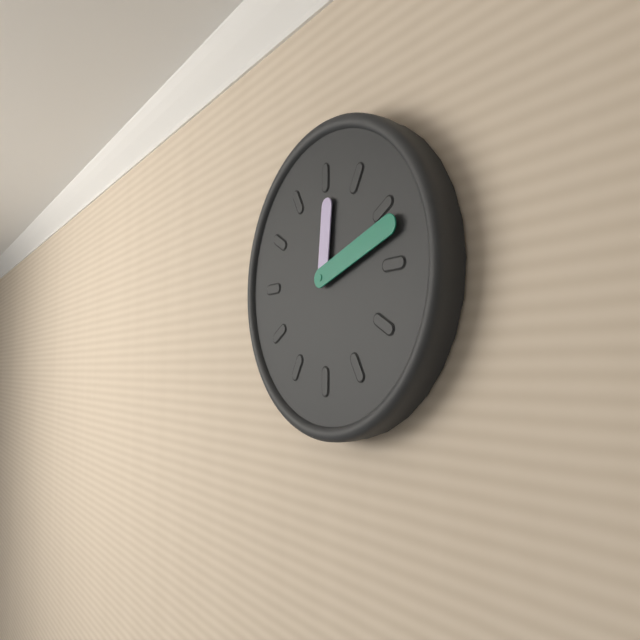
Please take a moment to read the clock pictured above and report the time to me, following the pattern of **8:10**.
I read **12:12**
